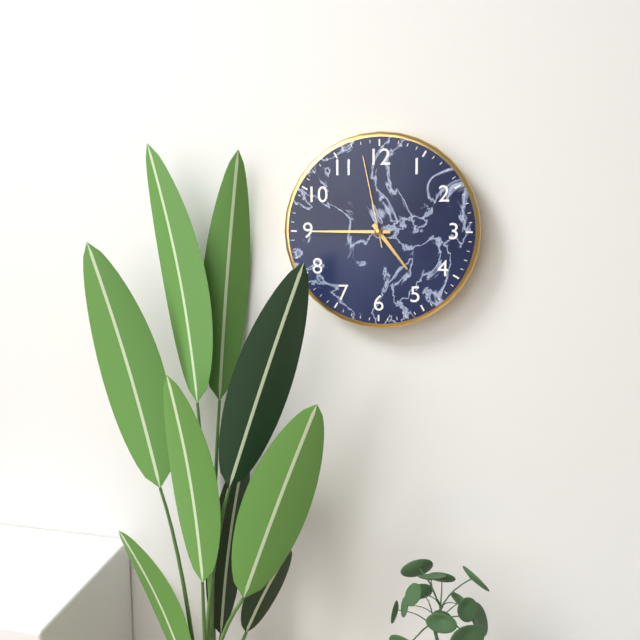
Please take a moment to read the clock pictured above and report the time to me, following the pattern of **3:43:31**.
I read **4:45:58**
